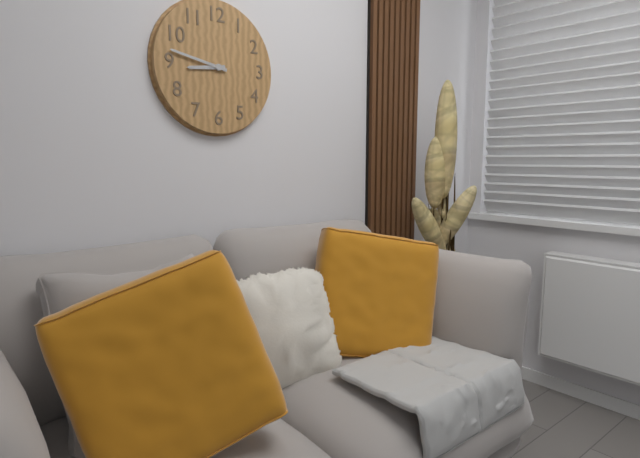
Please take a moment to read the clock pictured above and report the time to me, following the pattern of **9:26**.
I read **8:47**
